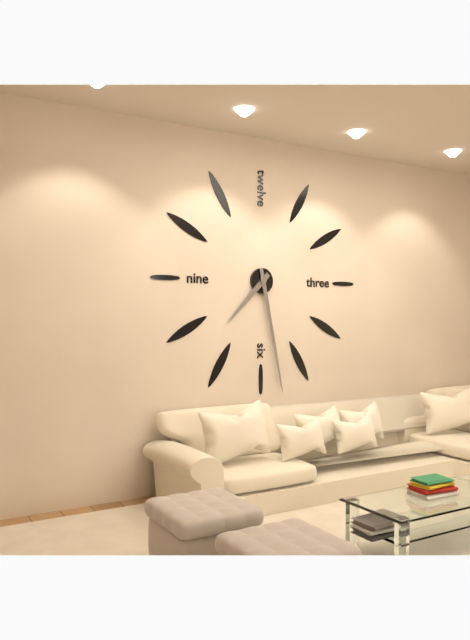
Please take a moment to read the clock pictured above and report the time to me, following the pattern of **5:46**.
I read **7:28**
